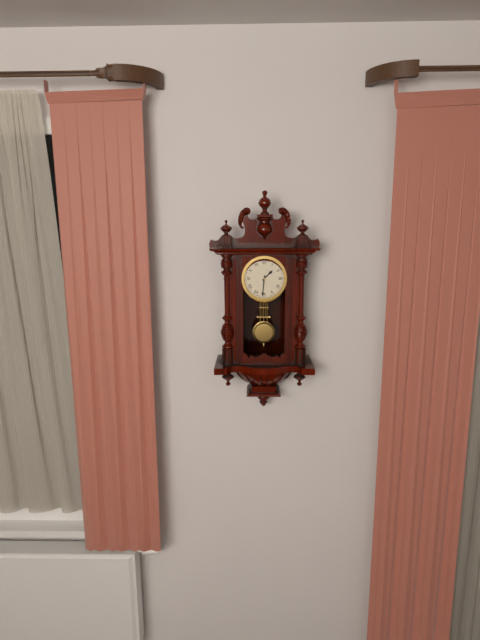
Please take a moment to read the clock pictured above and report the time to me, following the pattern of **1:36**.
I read **1:31**
